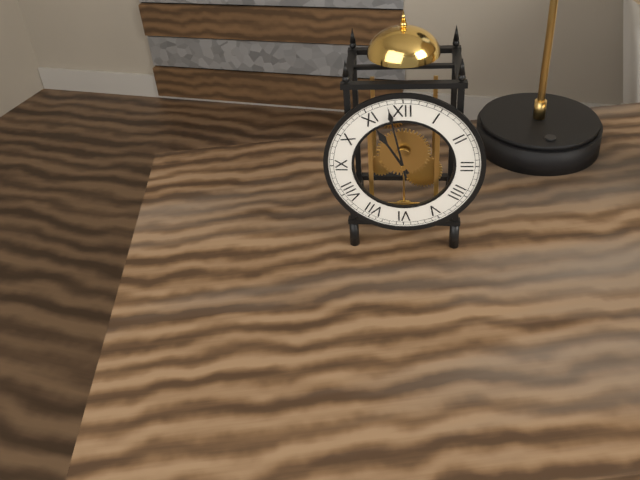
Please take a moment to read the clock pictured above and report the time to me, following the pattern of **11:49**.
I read **10:58**
